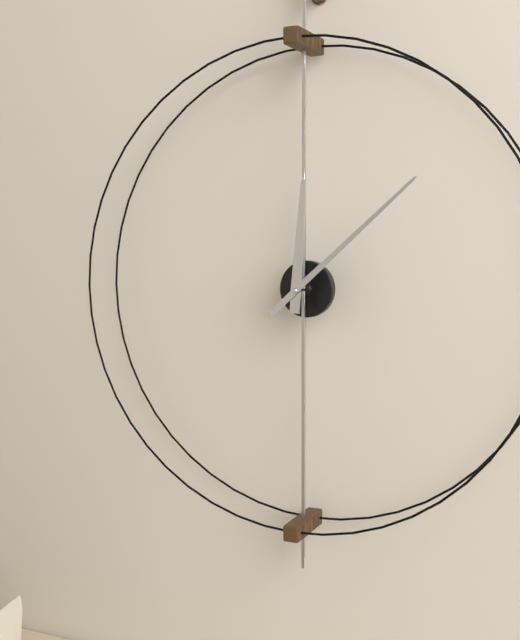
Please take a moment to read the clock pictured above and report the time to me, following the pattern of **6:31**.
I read **12:08**
